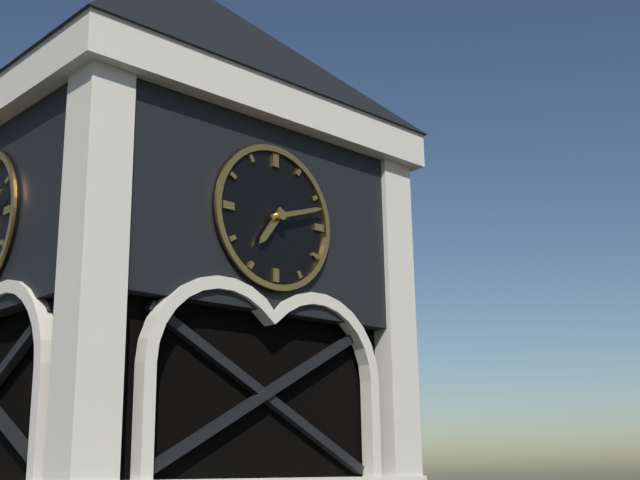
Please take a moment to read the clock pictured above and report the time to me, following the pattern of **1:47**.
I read **7:12**
